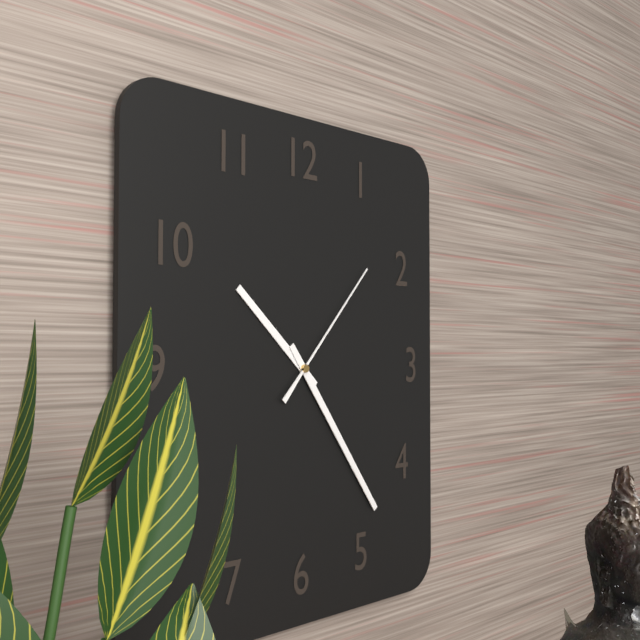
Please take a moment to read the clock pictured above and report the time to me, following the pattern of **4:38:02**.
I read **10:24:07**
